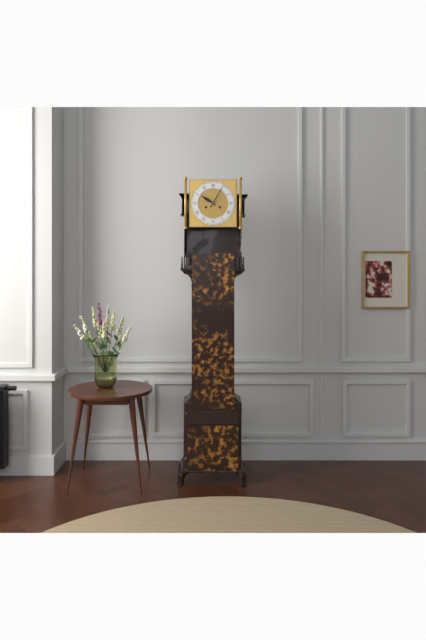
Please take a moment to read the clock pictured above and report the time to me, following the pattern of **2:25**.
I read **10:05**
